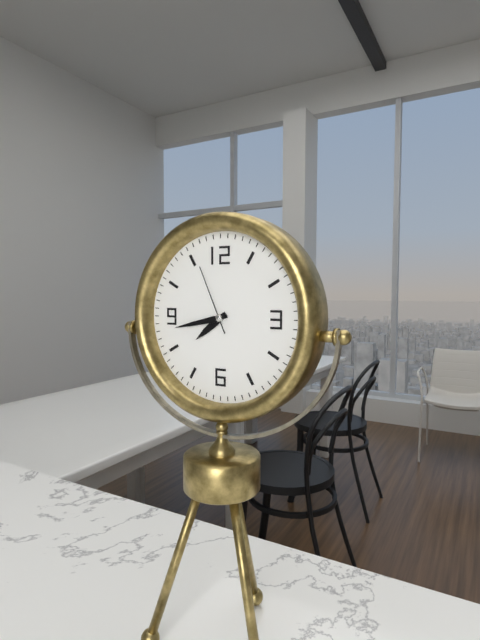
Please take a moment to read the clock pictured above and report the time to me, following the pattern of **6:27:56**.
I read **7:43:56**
